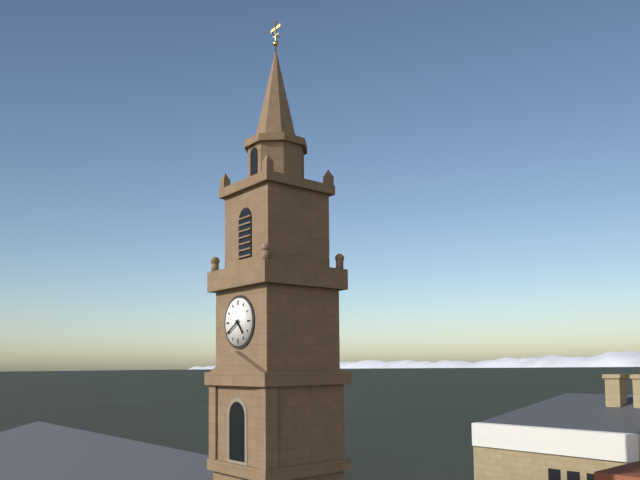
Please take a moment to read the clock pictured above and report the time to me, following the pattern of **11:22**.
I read **4:40**
